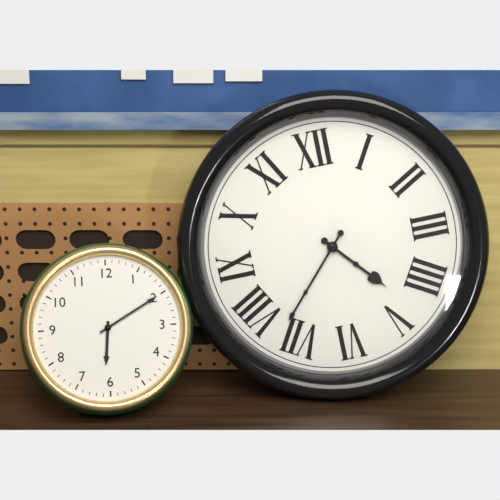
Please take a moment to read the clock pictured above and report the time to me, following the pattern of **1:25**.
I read **4:37**
